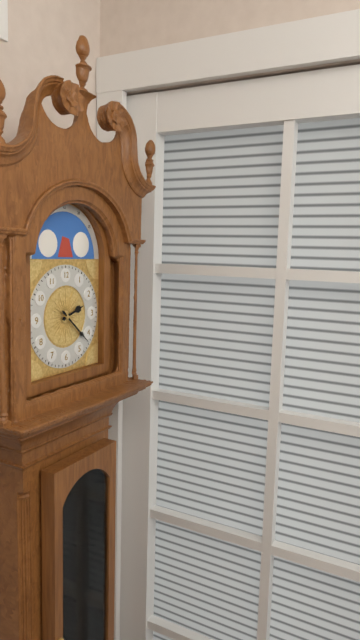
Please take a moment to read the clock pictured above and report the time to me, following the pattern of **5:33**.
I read **2:22**
